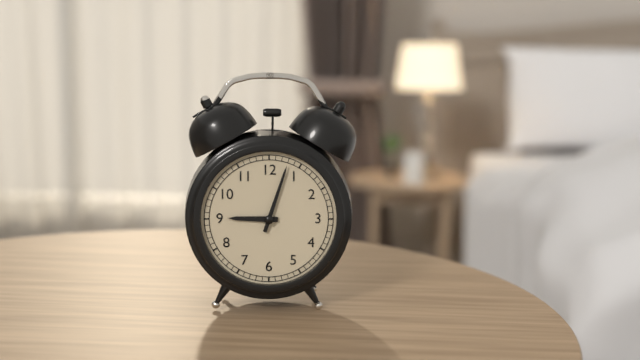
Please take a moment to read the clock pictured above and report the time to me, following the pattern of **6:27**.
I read **9:03**
